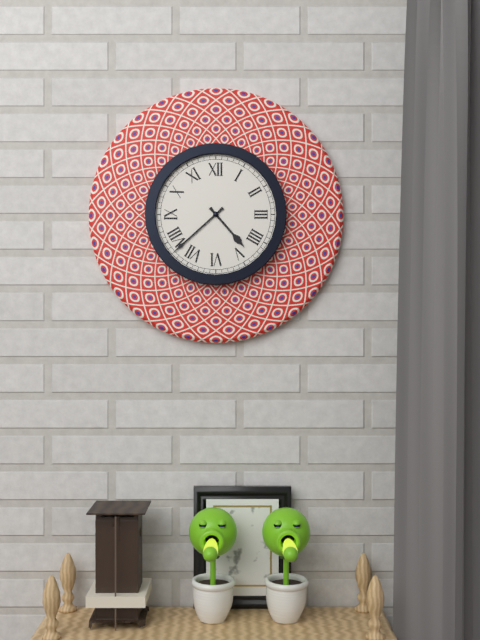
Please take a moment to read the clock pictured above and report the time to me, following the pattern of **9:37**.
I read **4:38**
